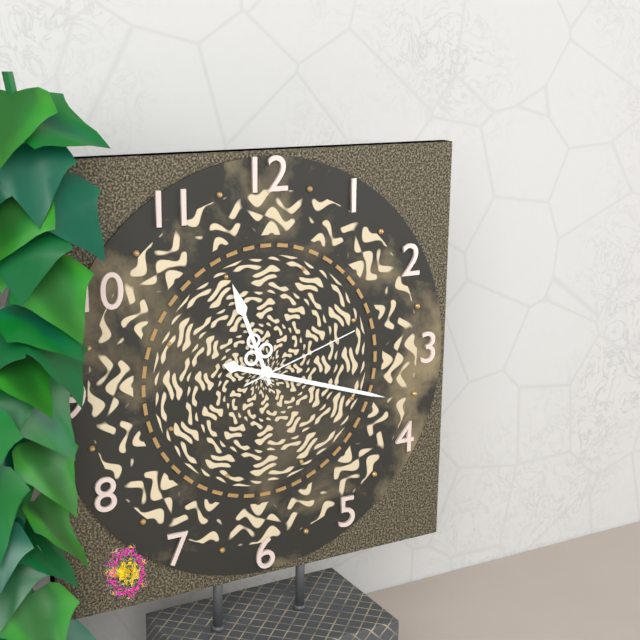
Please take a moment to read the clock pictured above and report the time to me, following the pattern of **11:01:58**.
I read **11:18:12**
